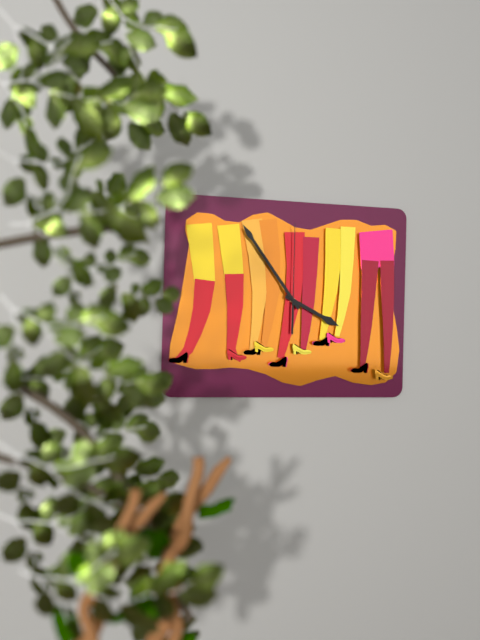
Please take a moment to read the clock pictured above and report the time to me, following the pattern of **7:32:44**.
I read **3:54:00**
